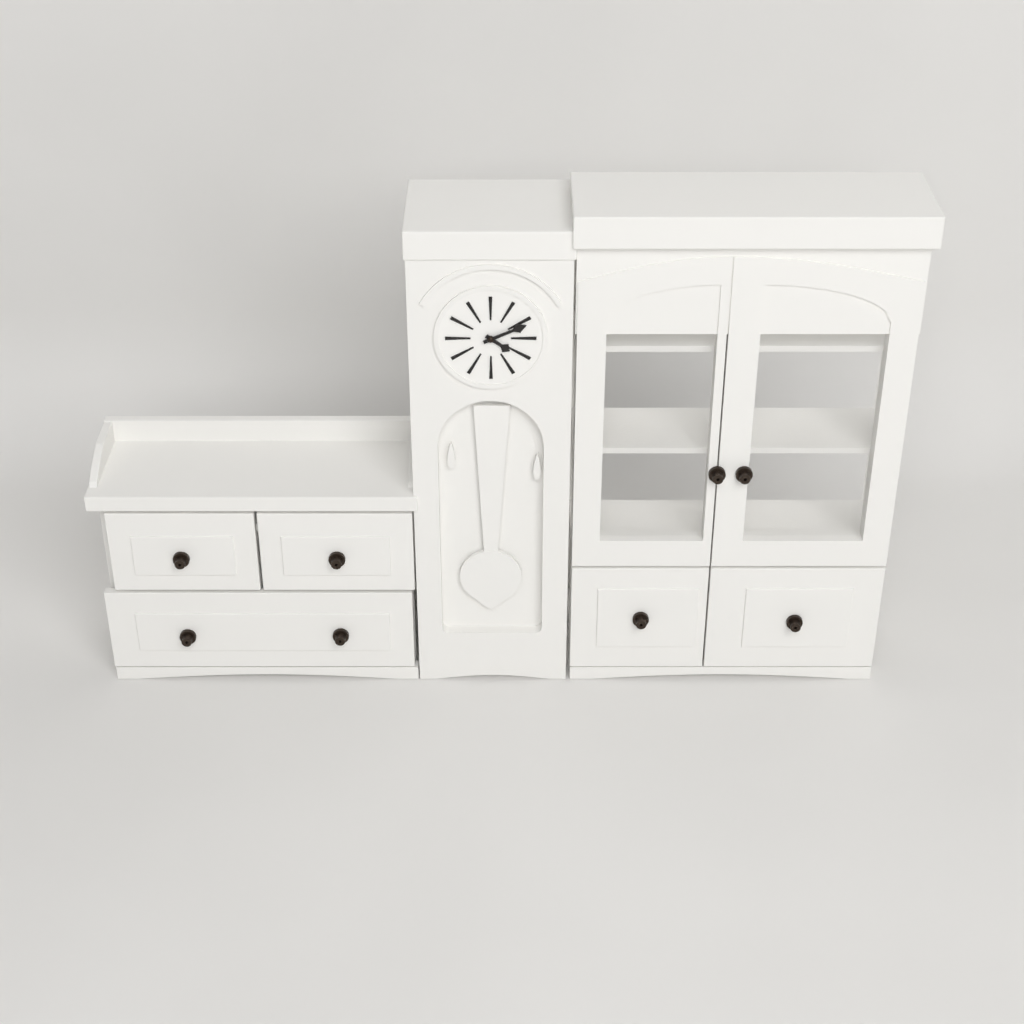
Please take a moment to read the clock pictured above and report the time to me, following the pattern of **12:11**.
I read **4:11**
